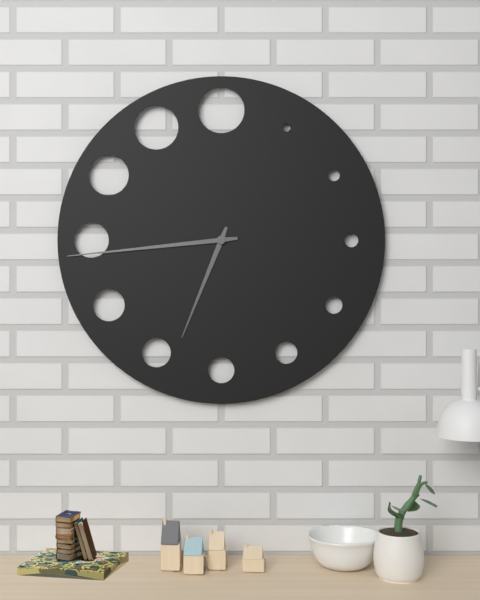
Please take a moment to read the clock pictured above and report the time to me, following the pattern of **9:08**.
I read **6:44**
